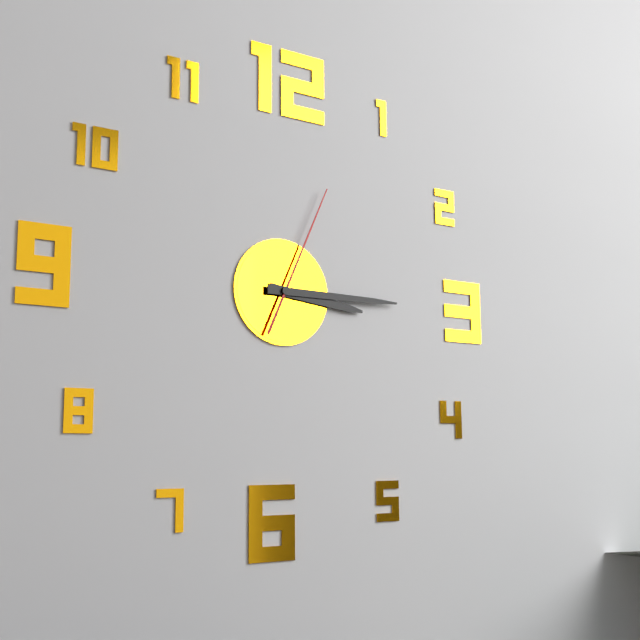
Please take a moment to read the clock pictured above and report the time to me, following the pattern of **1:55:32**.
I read **3:15:04**
